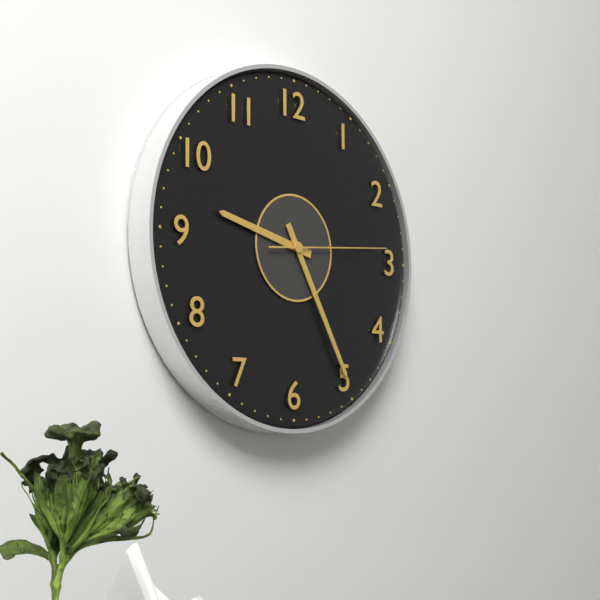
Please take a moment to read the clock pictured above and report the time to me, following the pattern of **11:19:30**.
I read **9:25:14**
